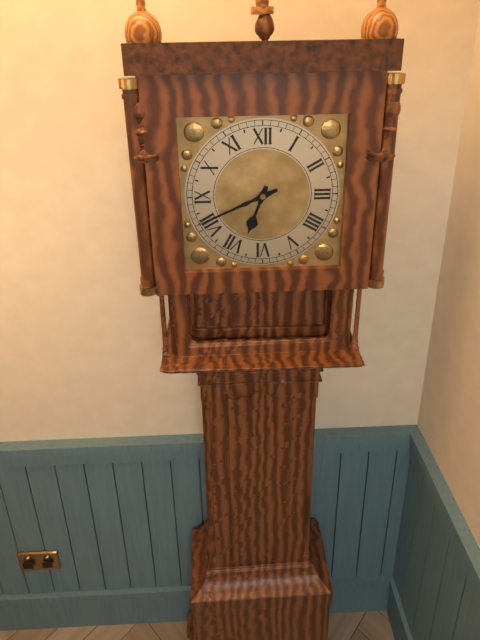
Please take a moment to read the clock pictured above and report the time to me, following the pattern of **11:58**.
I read **6:41**
